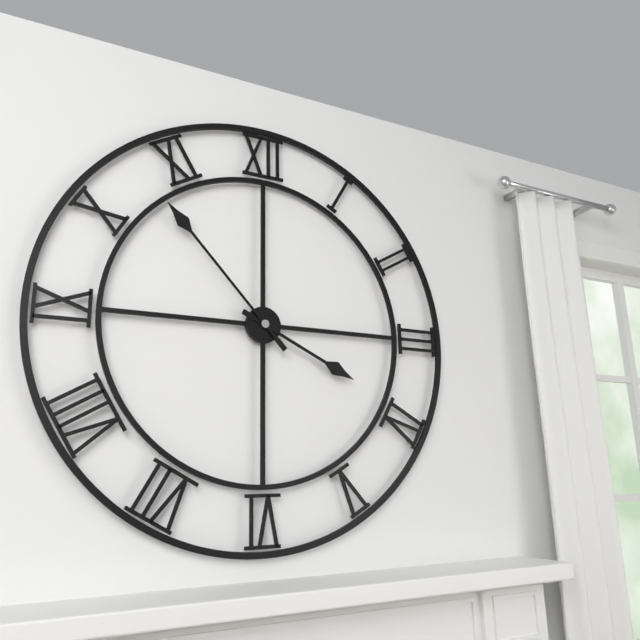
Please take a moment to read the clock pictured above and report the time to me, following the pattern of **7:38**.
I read **3:53**
